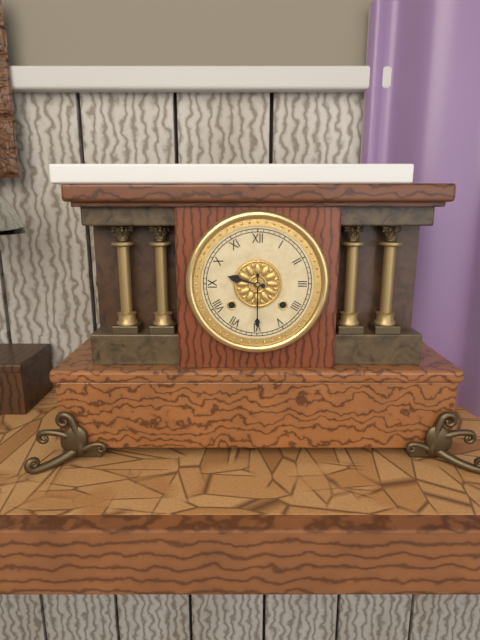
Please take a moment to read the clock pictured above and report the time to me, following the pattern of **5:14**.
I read **9:30**
